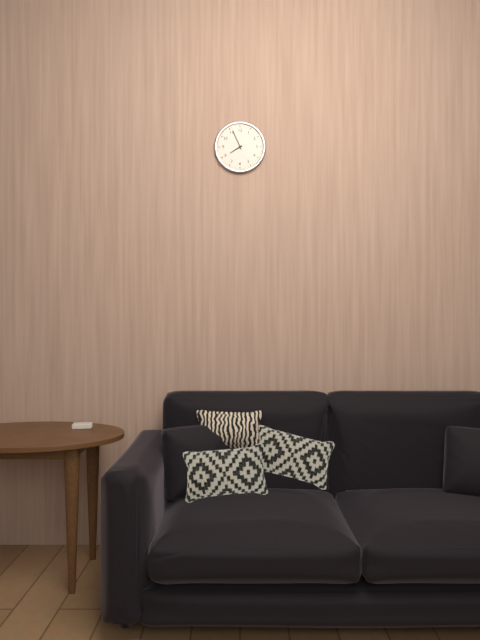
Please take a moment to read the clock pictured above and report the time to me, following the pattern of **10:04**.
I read **7:56**
